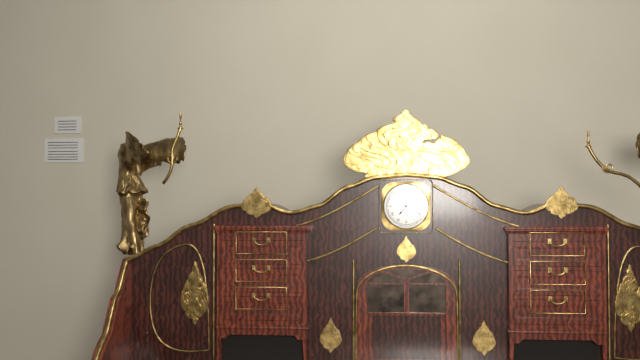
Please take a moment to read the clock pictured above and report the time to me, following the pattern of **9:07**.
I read **7:20**
